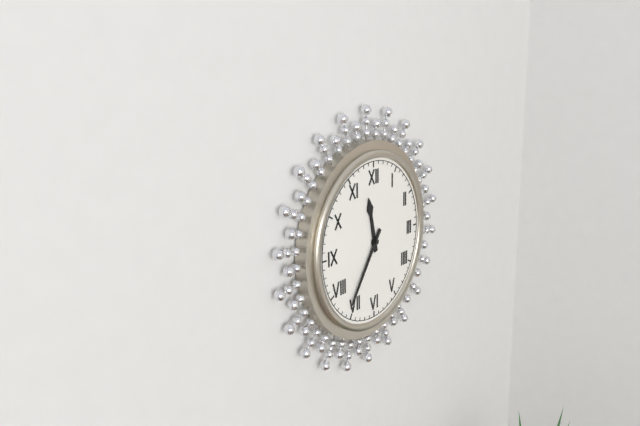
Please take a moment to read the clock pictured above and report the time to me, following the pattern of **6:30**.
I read **11:36**
